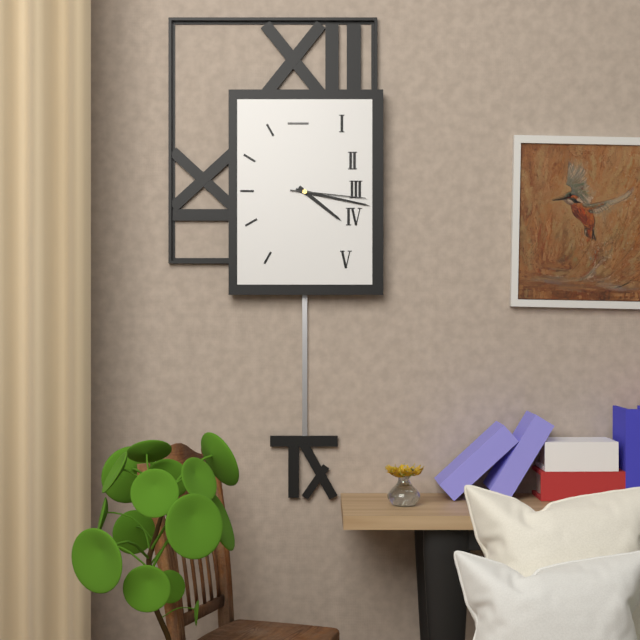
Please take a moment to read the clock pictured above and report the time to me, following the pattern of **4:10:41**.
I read **4:17:16**
